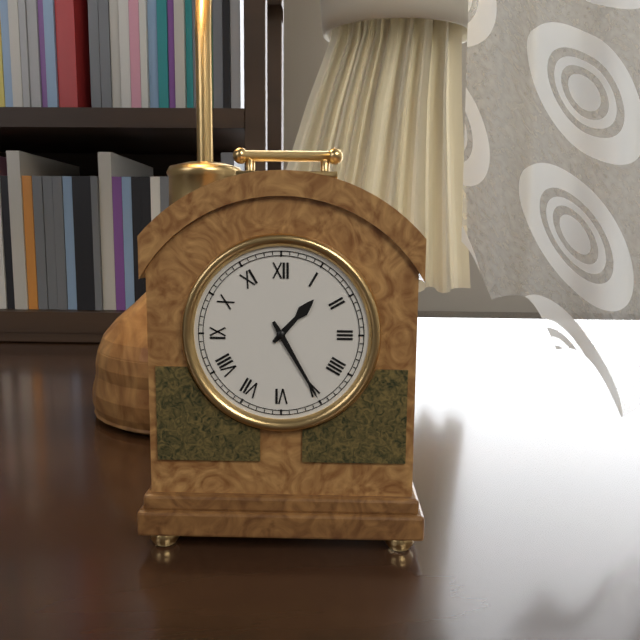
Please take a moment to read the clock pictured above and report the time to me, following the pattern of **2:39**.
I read **1:25**
